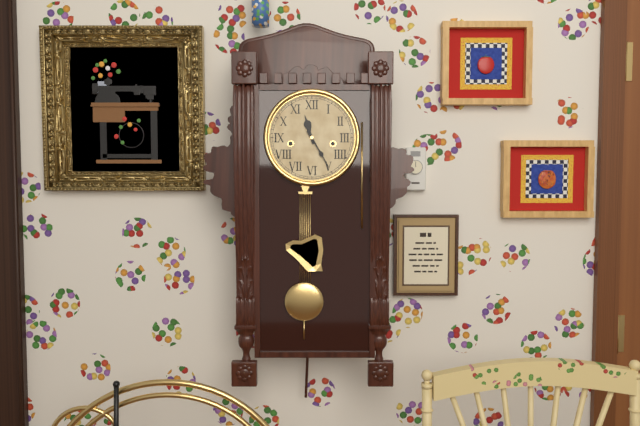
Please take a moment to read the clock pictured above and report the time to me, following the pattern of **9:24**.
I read **11:25**
